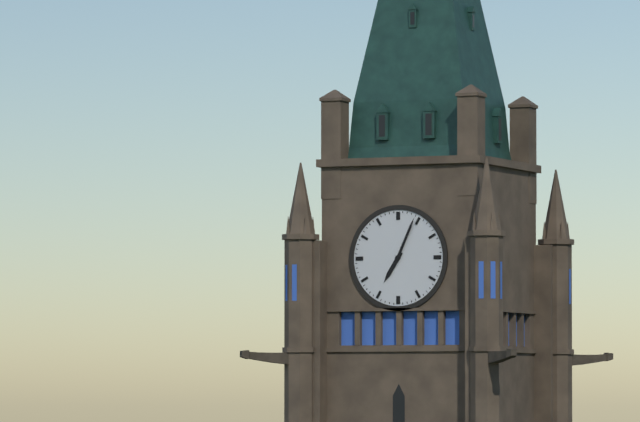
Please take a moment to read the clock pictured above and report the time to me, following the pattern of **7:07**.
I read **7:04**
